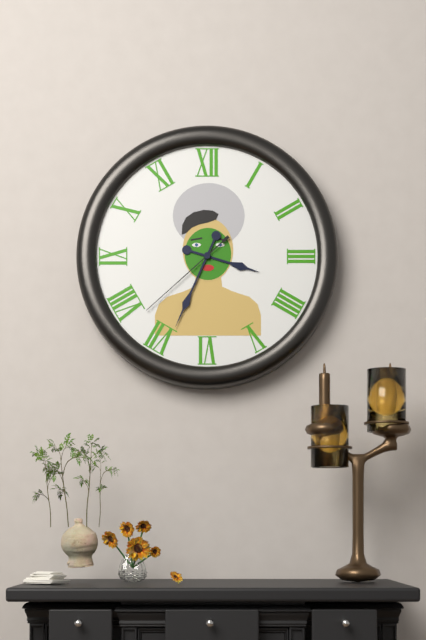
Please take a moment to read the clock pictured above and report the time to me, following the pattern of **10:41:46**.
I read **3:34:38**
